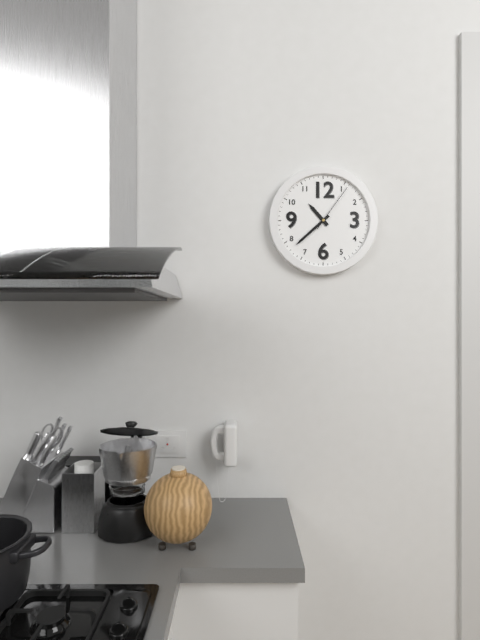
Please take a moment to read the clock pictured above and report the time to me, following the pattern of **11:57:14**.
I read **10:38:06**
